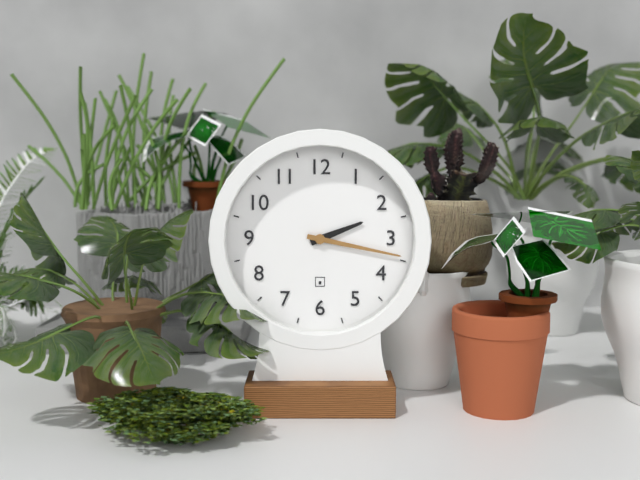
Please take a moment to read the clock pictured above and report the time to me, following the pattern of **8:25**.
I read **2:17**
